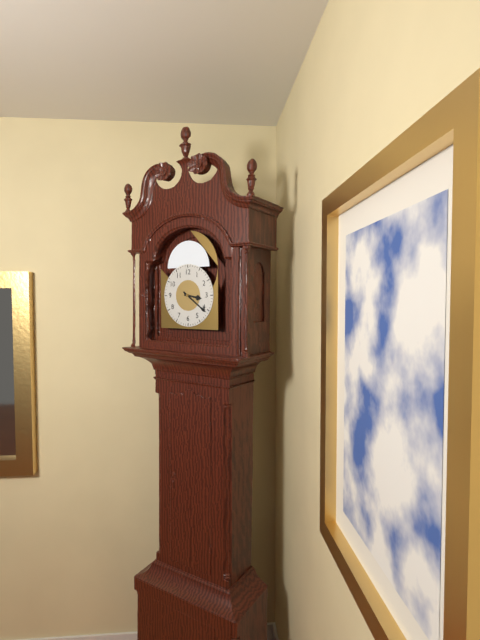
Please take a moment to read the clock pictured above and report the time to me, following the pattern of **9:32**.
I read **3:21**
